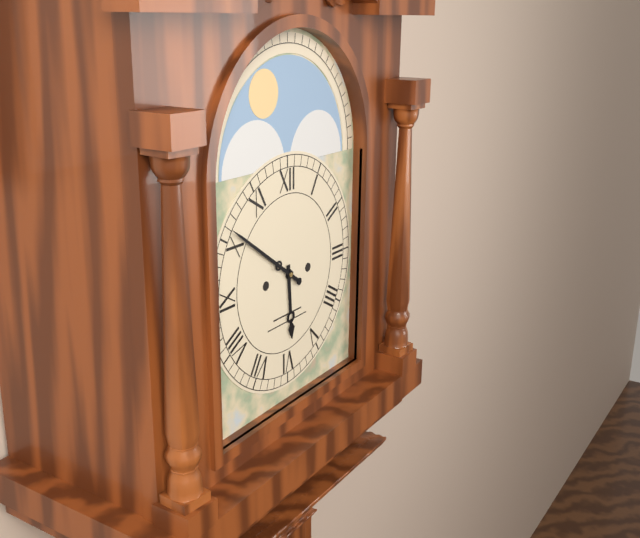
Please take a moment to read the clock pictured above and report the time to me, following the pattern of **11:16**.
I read **5:51**
